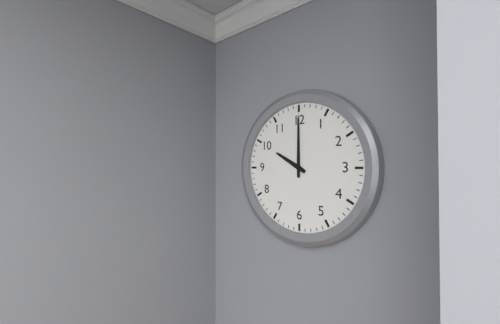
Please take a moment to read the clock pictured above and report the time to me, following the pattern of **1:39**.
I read **10:00**
